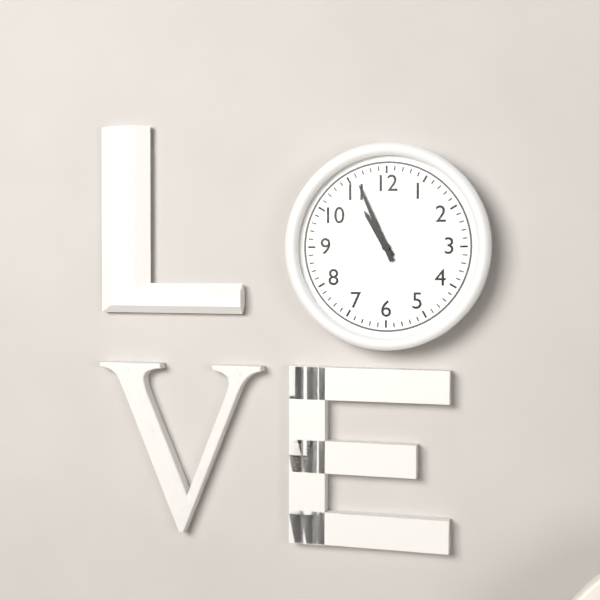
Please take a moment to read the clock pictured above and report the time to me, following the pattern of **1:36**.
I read **10:56**
